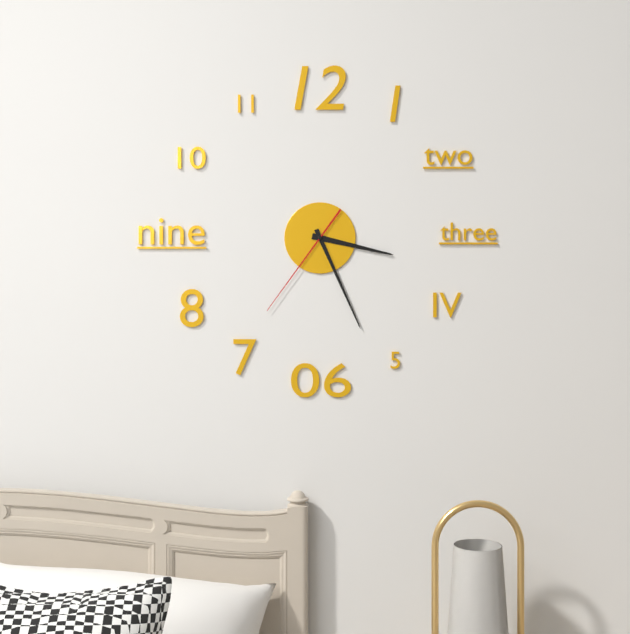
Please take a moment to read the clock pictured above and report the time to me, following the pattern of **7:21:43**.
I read **3:26:36**
